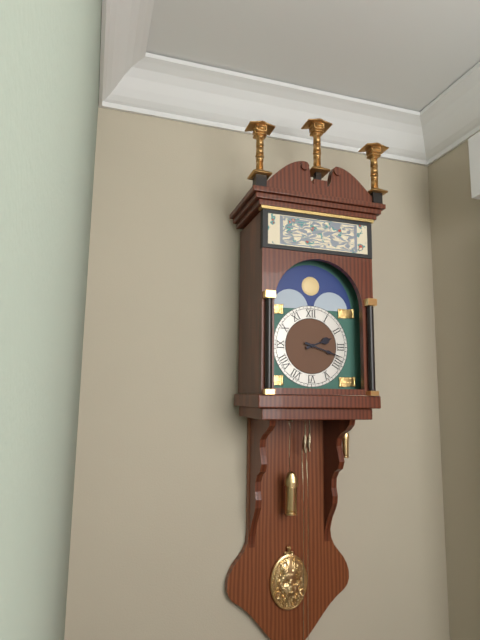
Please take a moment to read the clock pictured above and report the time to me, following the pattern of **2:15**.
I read **2:18**
